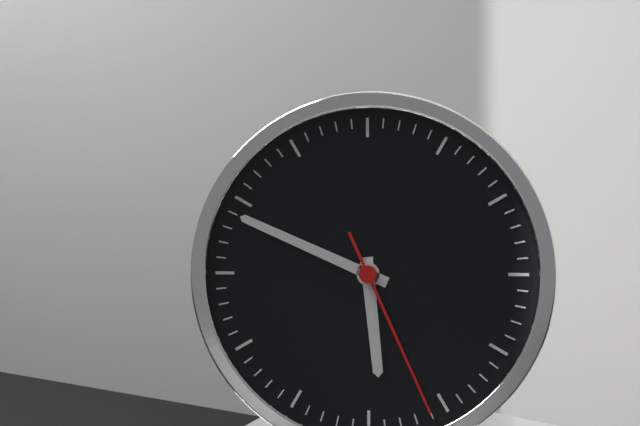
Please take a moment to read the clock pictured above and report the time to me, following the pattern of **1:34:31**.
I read **5:49:26**
